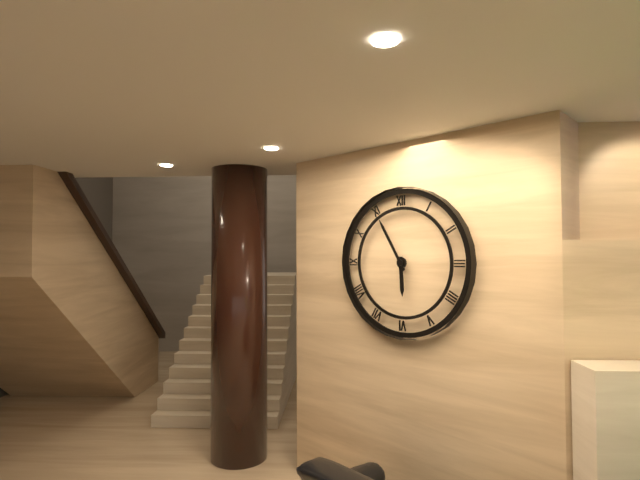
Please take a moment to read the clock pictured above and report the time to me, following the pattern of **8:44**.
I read **5:55**
